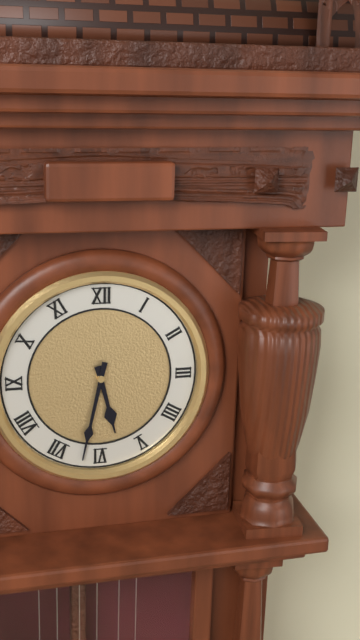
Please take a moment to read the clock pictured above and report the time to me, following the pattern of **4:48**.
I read **5:32**
